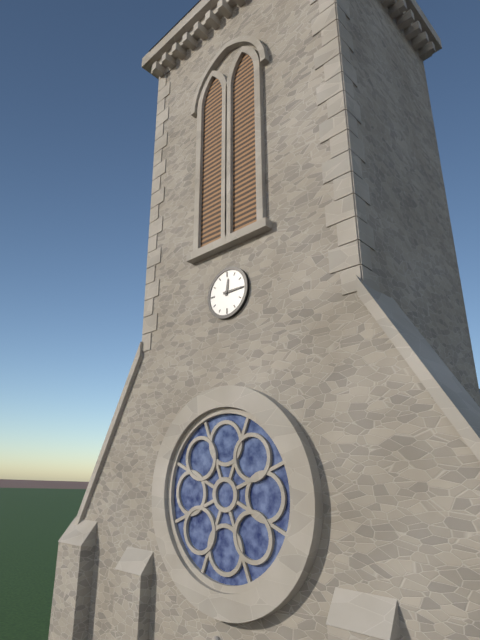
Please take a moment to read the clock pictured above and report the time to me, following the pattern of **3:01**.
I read **12:15**
